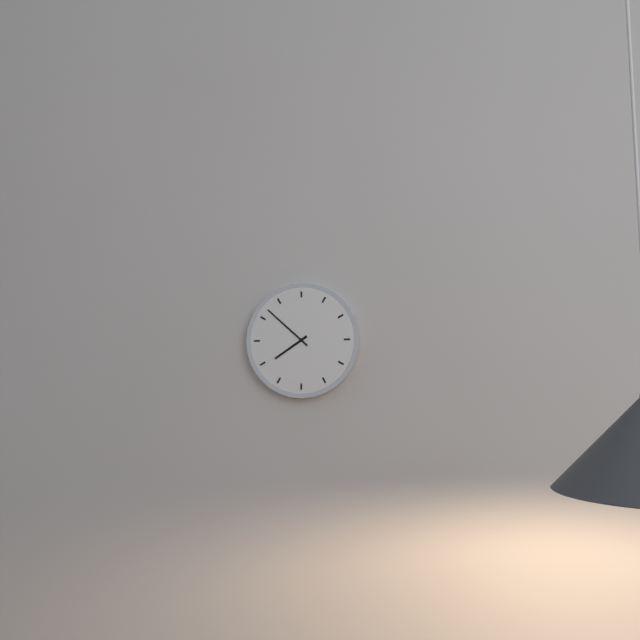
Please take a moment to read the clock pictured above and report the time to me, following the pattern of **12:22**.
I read **7:52**
